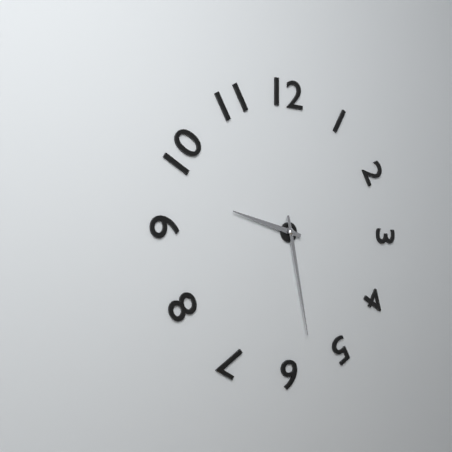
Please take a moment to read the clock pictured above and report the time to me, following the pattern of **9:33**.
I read **9:28**
